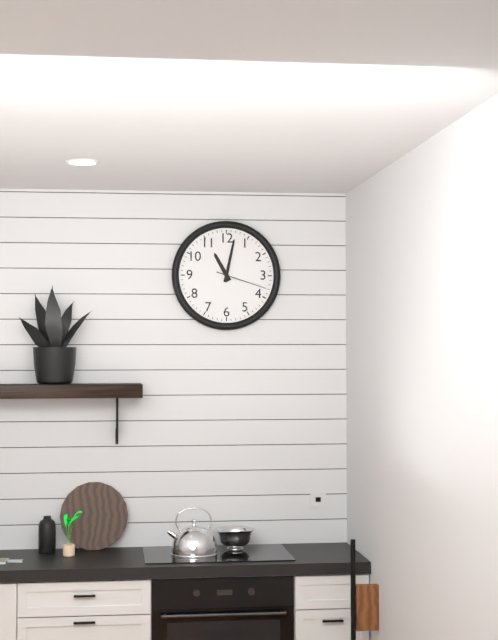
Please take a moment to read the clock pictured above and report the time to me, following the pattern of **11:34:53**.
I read **11:02:18**
